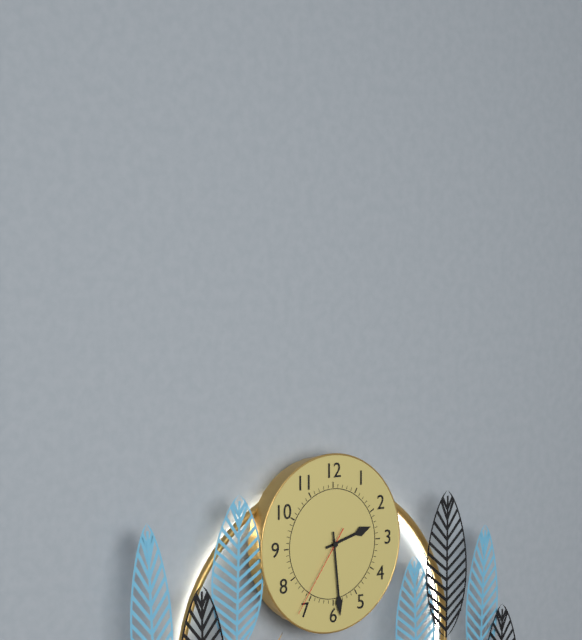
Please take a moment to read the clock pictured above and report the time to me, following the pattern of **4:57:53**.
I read **2:29:36**
